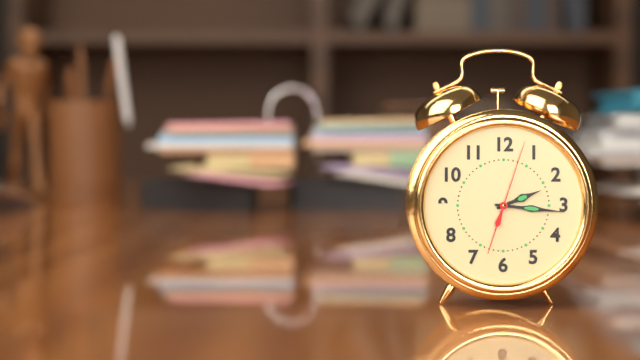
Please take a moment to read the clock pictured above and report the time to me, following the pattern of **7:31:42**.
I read **2:16:03**
